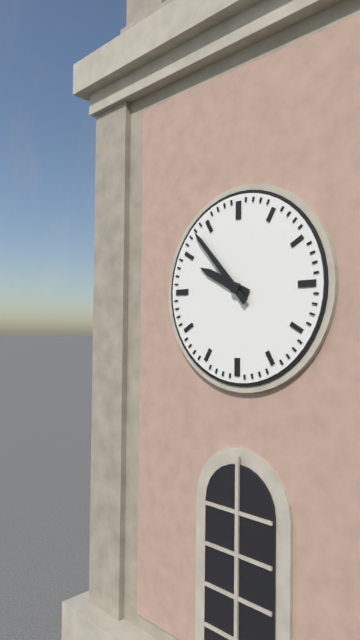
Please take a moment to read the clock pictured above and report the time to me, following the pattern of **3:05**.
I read **9:53**
